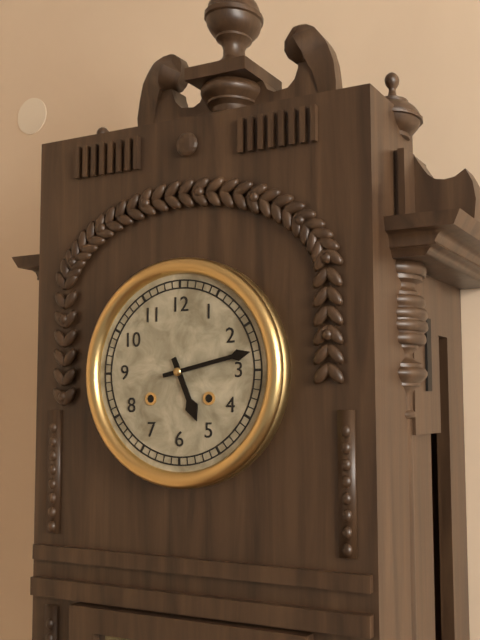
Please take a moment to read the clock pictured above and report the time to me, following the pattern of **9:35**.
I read **5:13**
